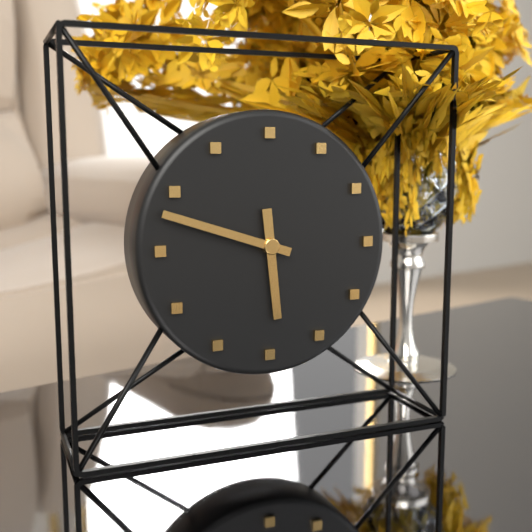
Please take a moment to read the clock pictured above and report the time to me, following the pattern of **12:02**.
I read **5:48**
